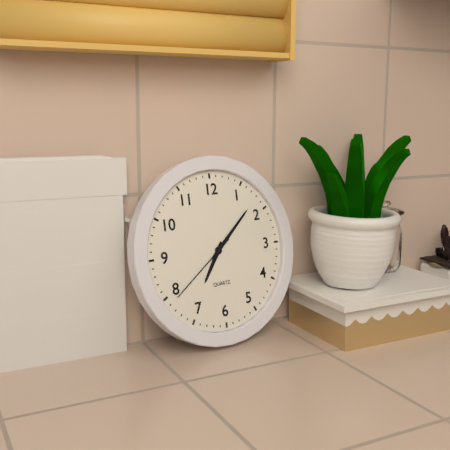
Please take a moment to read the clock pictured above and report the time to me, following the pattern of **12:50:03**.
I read **7:08:39**
